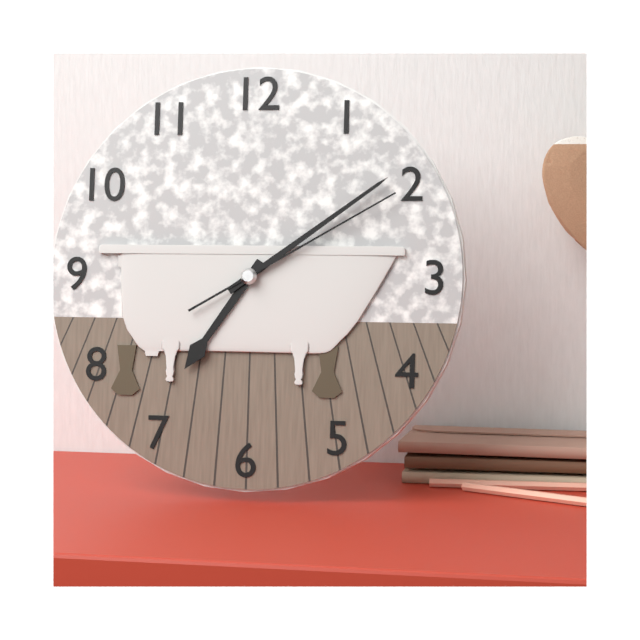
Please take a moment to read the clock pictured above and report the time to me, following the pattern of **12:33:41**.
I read **7:09:10**
